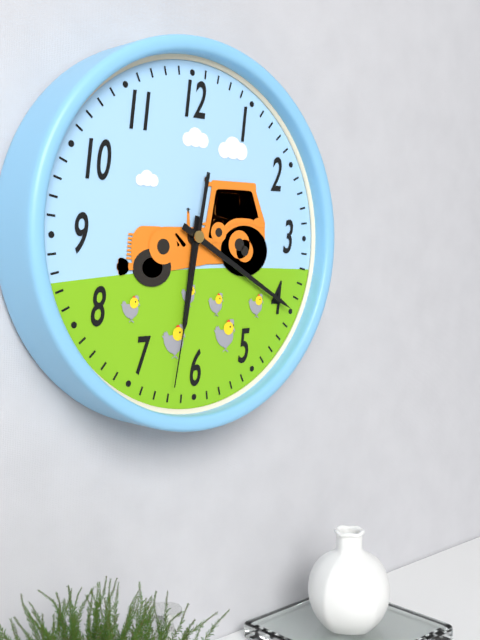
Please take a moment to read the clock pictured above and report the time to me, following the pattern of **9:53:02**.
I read **6:20:32**
